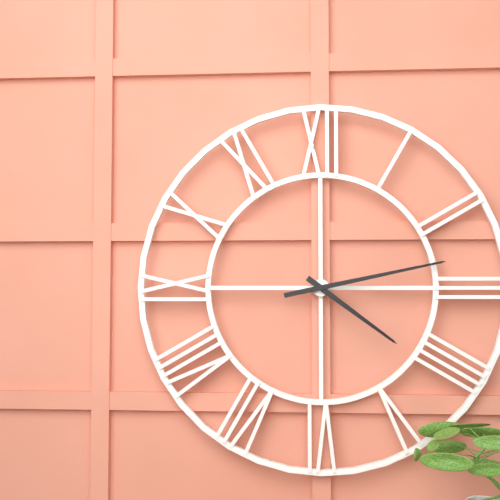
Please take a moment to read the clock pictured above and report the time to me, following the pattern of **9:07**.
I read **4:13**
